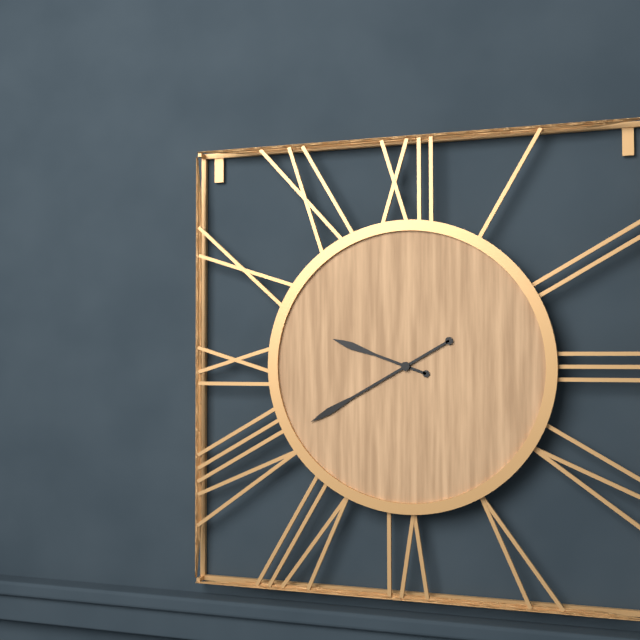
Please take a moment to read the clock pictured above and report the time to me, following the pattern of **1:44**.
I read **9:40**
